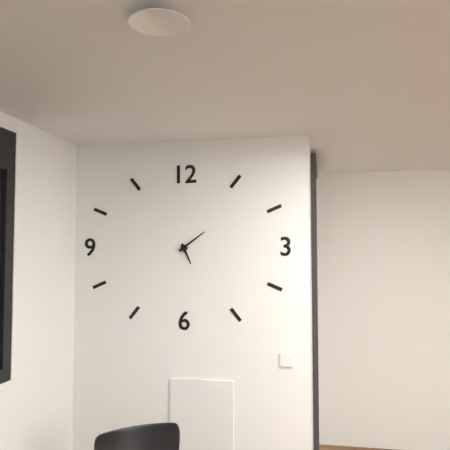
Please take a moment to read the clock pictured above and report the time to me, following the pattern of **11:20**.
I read **5:09**
